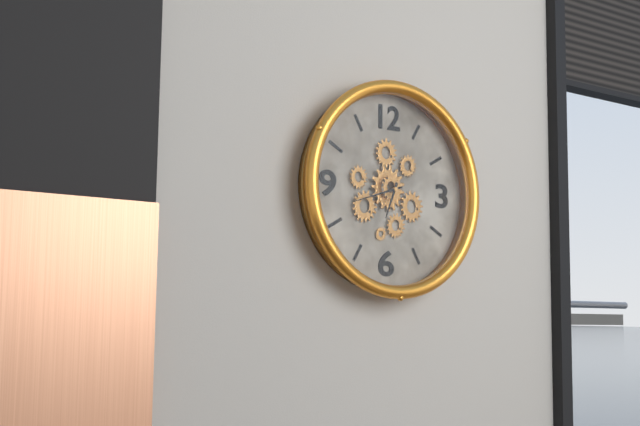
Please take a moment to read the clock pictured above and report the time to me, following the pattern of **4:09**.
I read **6:42**
